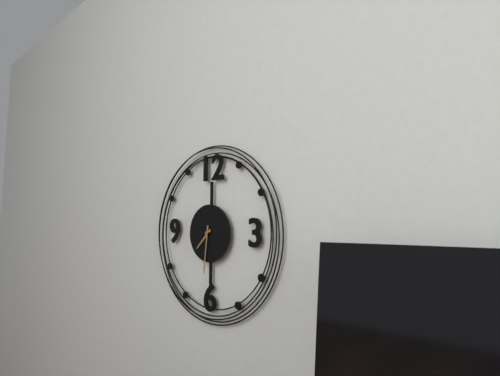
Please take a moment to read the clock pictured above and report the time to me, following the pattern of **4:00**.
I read **7:31**
